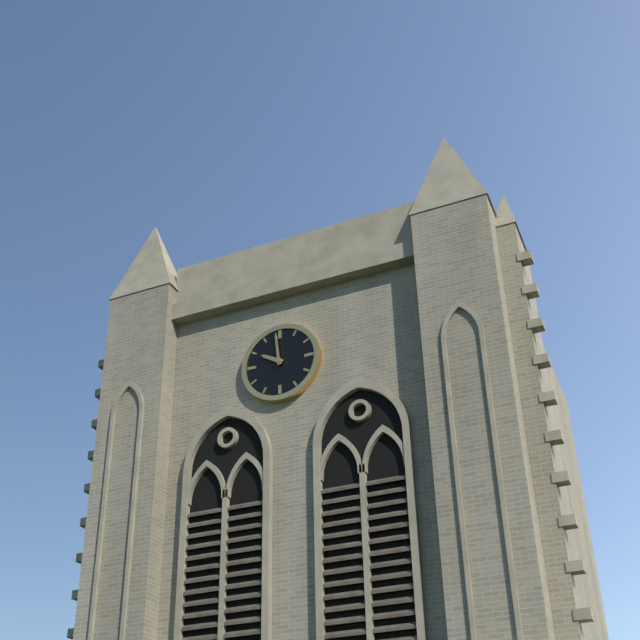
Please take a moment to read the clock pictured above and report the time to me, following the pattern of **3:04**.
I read **9:59**
